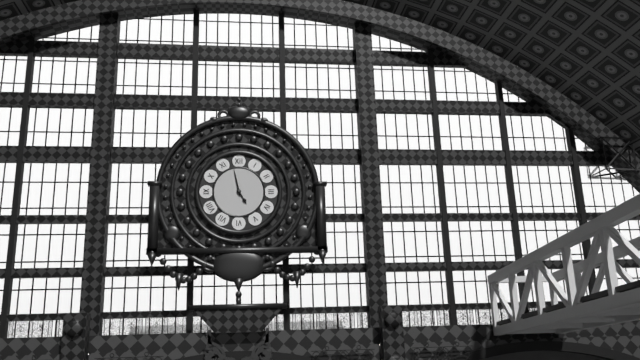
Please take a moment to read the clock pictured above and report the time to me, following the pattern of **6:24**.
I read **4:58**
